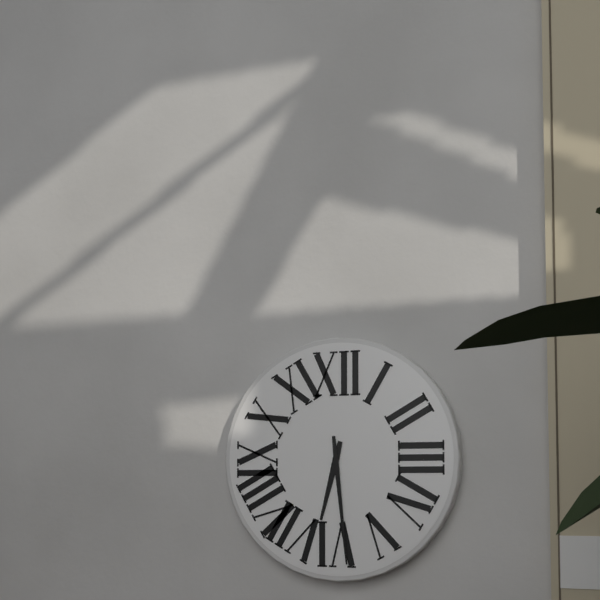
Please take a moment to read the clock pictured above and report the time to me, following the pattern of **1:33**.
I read **6:29**
